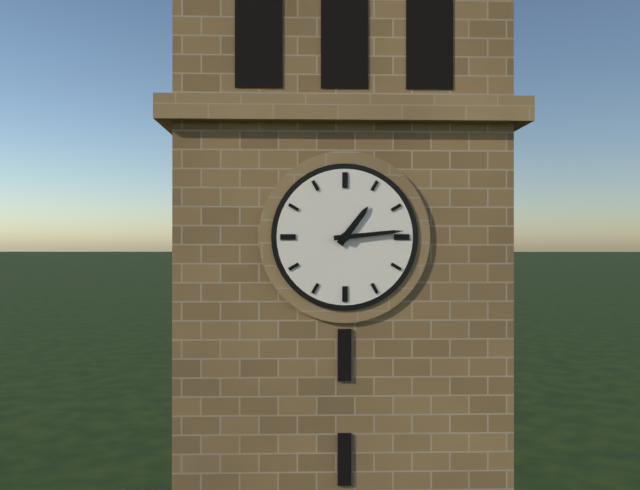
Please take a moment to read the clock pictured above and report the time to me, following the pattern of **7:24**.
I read **1:14**
